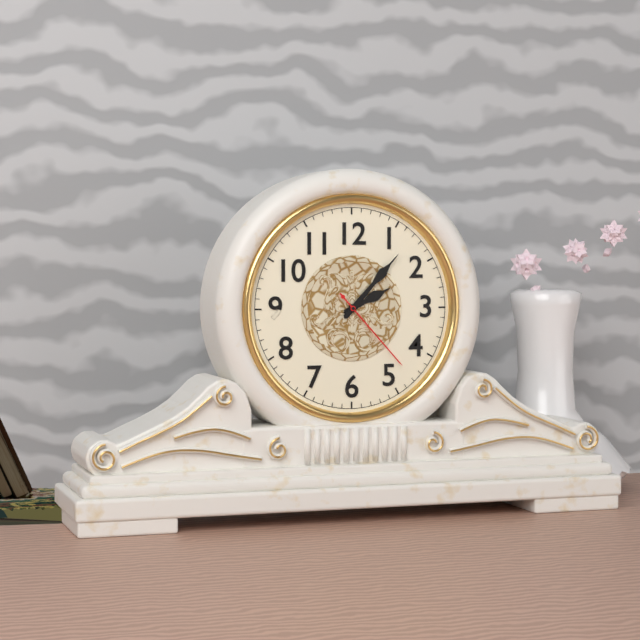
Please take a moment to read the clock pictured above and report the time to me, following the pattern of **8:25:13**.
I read **2:07:23**
